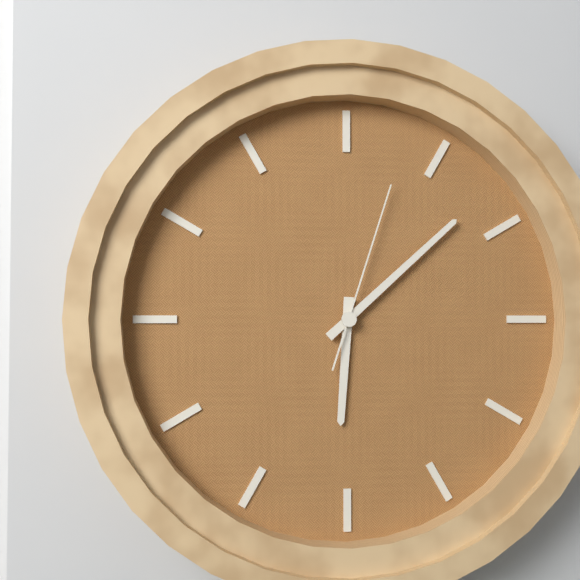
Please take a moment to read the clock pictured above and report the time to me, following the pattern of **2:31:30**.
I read **6:08:03**
